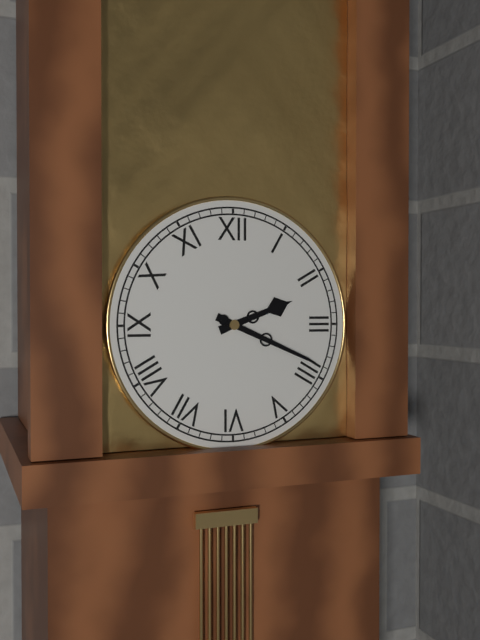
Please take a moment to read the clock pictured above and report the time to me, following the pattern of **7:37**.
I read **2:19**
